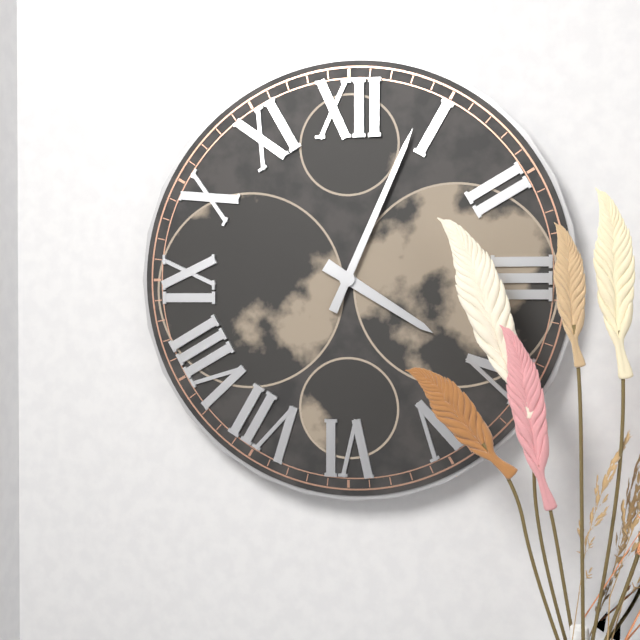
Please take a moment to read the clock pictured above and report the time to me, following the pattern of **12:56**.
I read **4:04**
